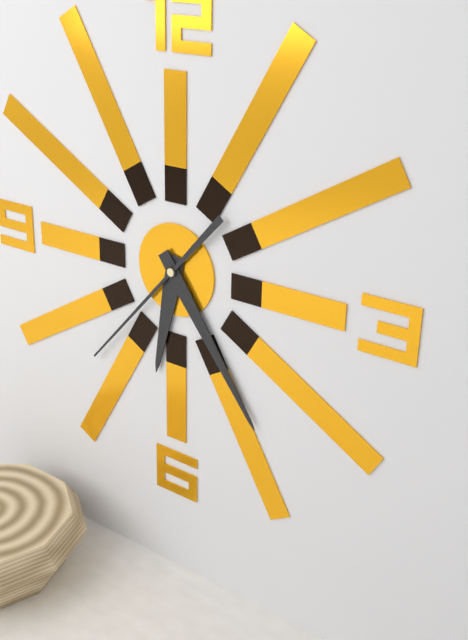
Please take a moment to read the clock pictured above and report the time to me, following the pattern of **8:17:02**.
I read **6:24:37**
